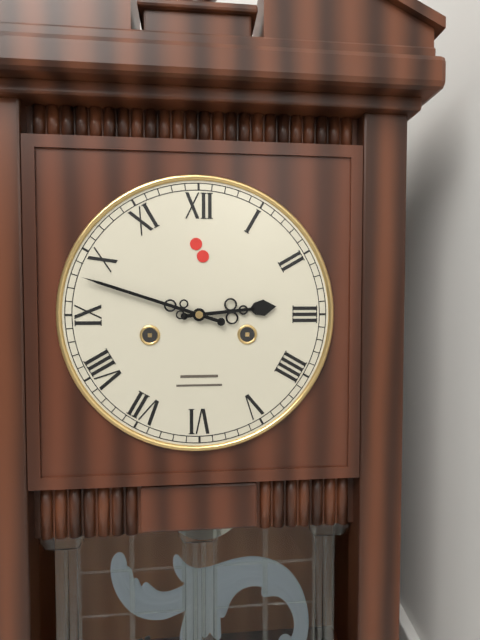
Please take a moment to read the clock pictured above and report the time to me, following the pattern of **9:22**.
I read **2:48**
